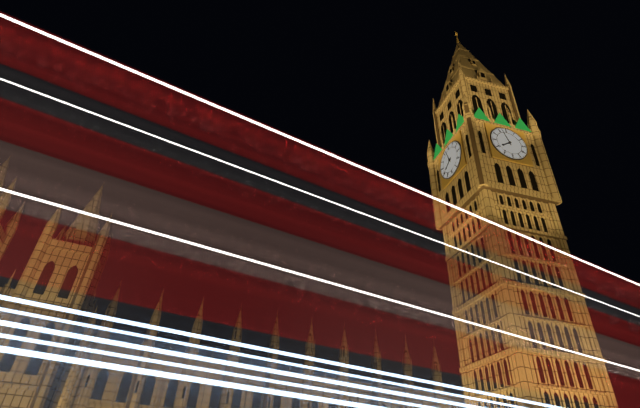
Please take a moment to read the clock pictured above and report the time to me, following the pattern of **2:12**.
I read **7:57**
